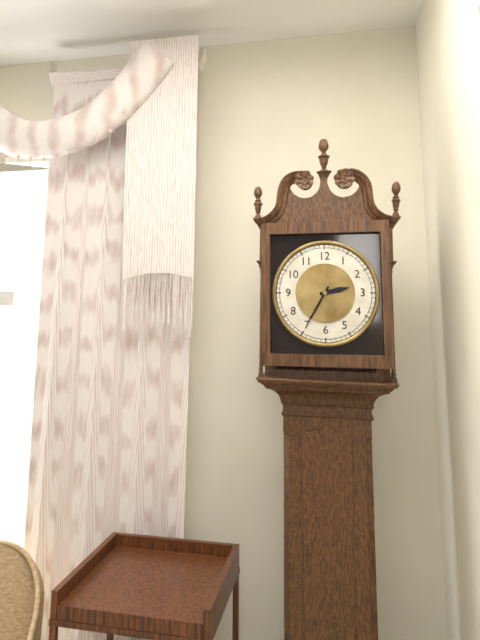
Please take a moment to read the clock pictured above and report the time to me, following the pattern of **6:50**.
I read **2:35**
